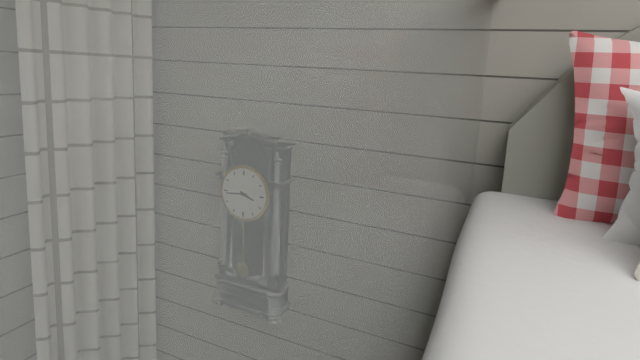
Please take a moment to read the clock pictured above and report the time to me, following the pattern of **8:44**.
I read **3:44**
